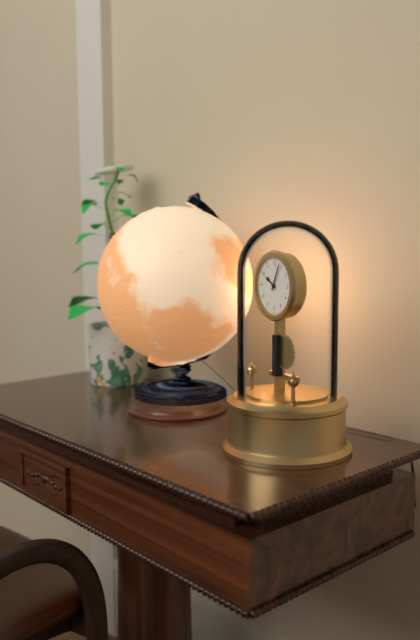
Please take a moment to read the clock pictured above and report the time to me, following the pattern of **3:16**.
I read **10:04**
